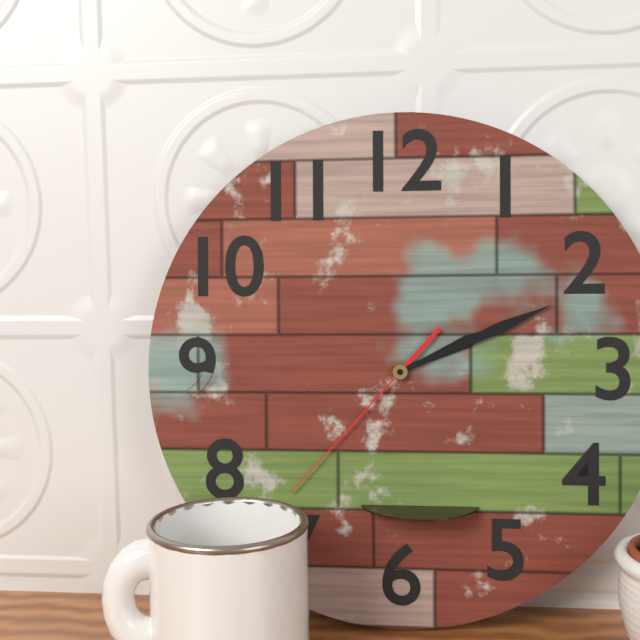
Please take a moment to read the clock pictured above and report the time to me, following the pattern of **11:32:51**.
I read **2:11:37**
